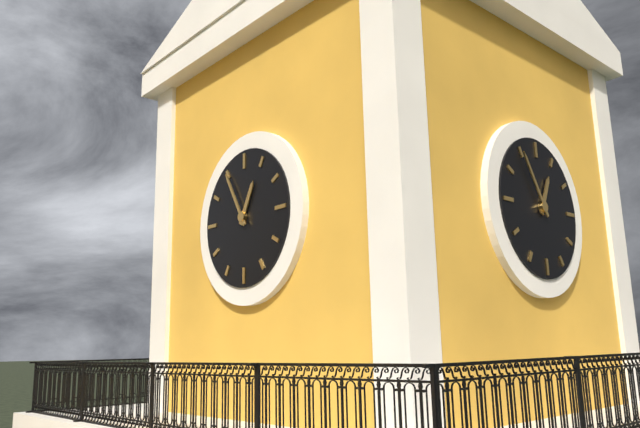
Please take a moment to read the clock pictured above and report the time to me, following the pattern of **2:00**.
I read **12:55**
